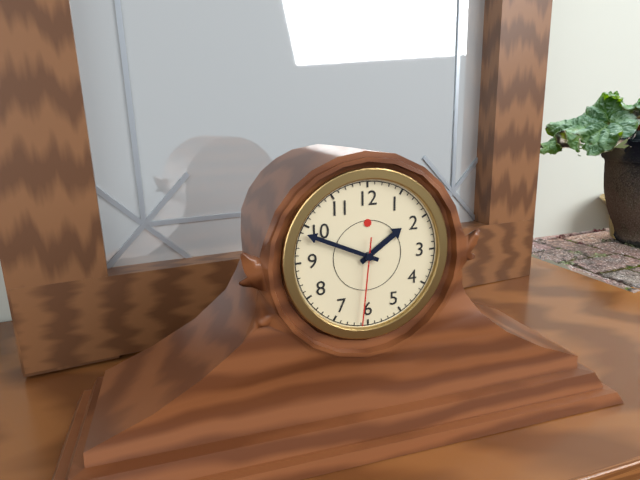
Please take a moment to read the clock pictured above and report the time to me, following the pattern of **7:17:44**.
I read **1:49:31**
